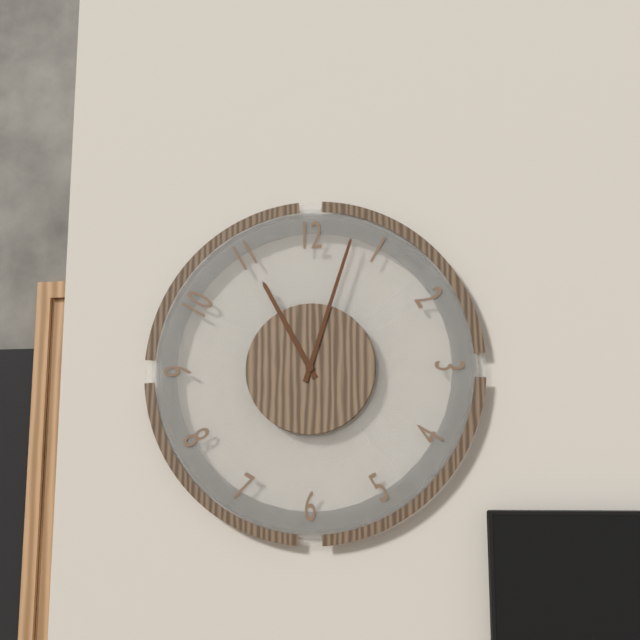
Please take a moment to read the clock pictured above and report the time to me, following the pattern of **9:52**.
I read **11:03**
